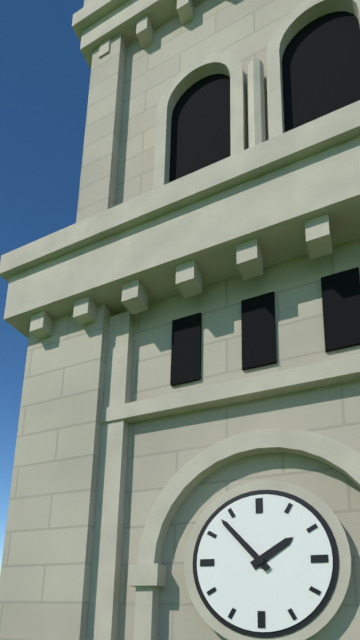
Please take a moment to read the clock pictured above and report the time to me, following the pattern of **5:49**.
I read **1:53**
